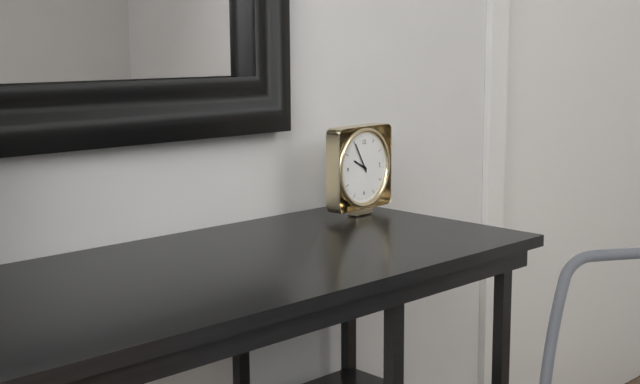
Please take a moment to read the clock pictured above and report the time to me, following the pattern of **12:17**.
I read **9:55**
